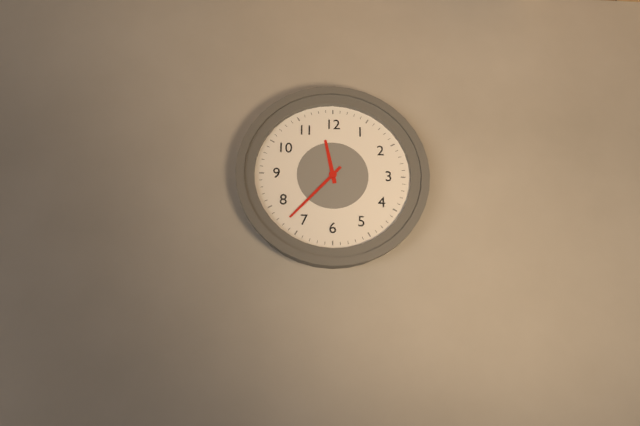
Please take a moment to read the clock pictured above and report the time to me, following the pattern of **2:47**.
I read **11:37**
